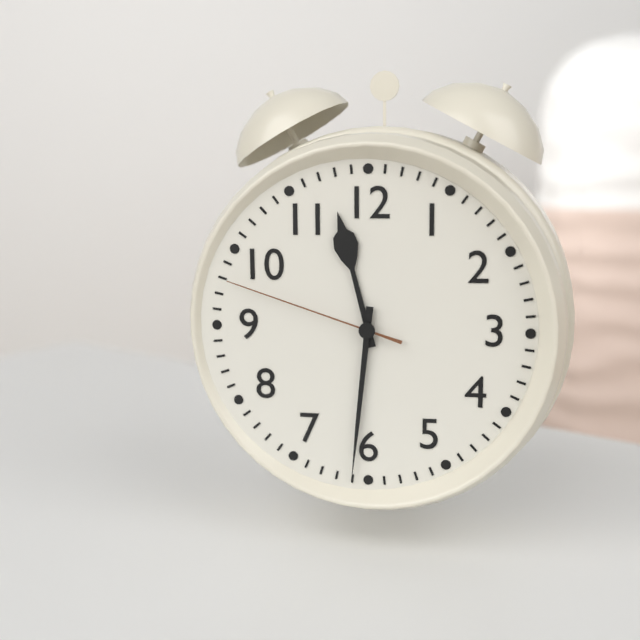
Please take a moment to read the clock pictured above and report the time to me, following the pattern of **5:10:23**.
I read **11:31:48**
